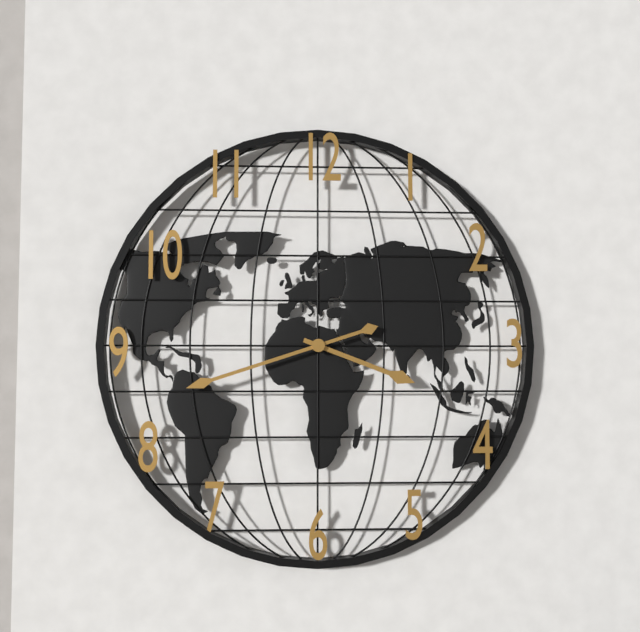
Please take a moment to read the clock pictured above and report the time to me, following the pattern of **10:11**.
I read **3:42**
